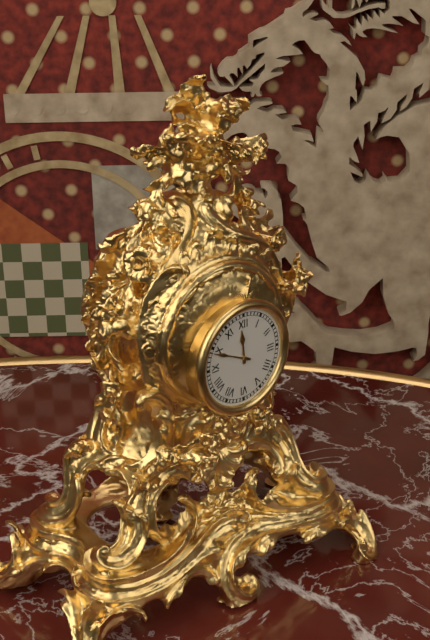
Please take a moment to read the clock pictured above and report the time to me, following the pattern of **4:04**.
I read **11:49**
